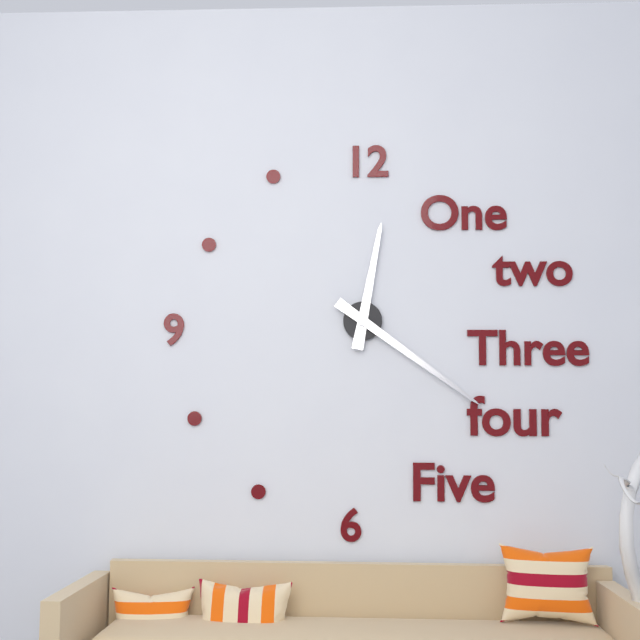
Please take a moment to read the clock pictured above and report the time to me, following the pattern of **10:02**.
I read **12:21**
